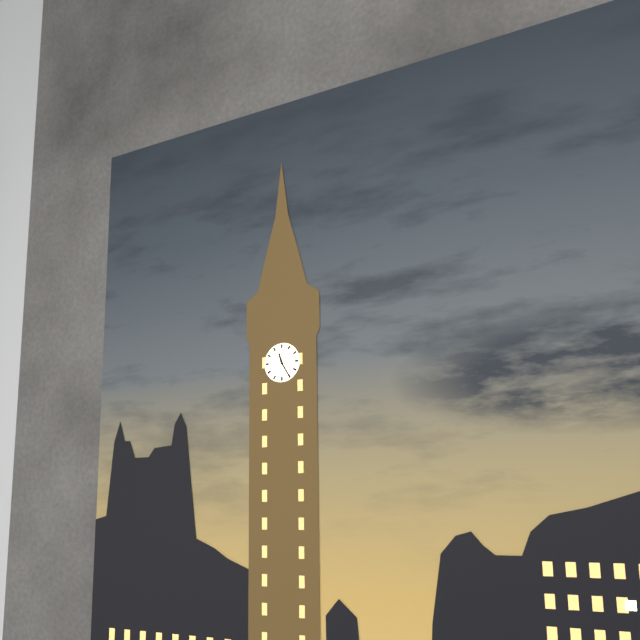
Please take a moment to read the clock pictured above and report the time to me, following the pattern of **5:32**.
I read **11:25**
